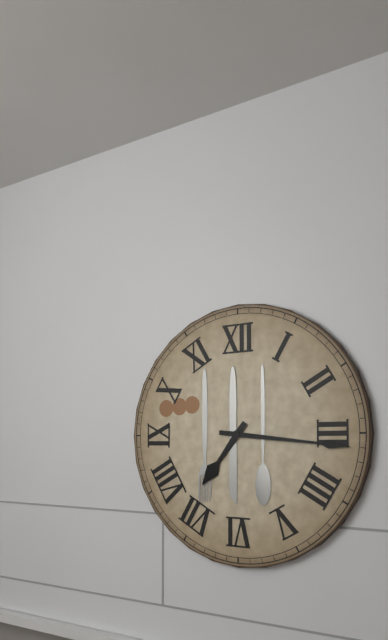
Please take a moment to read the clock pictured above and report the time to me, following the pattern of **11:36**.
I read **7:16**
